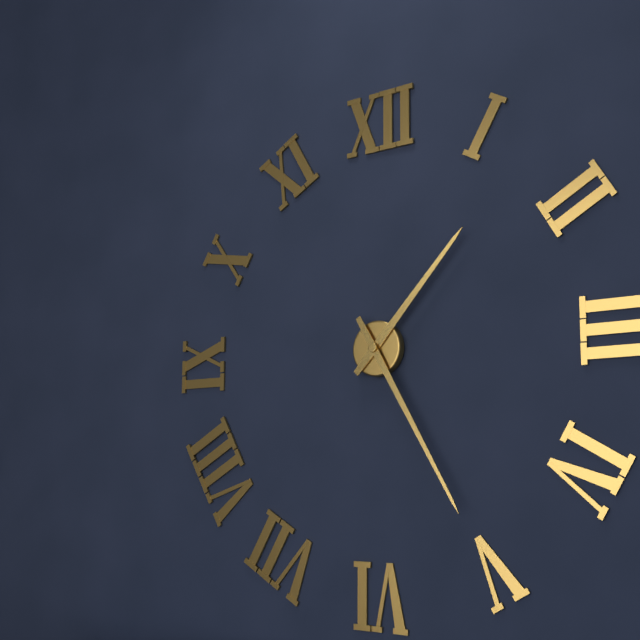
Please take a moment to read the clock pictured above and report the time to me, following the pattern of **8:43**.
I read **1:25**
